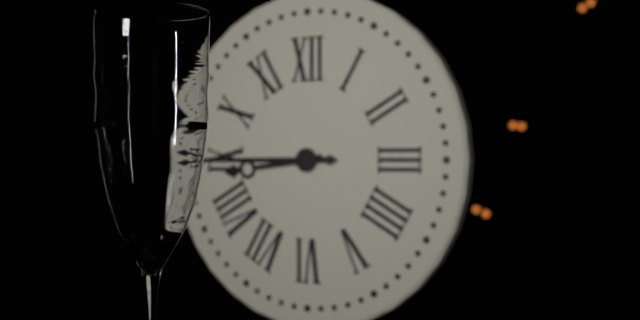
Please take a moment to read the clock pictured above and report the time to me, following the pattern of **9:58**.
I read **8:45**
